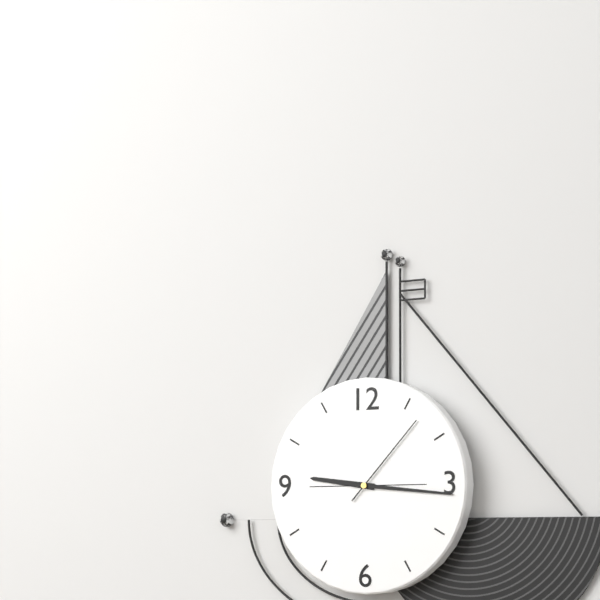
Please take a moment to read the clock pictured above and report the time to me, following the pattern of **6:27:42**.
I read **9:16:07**
